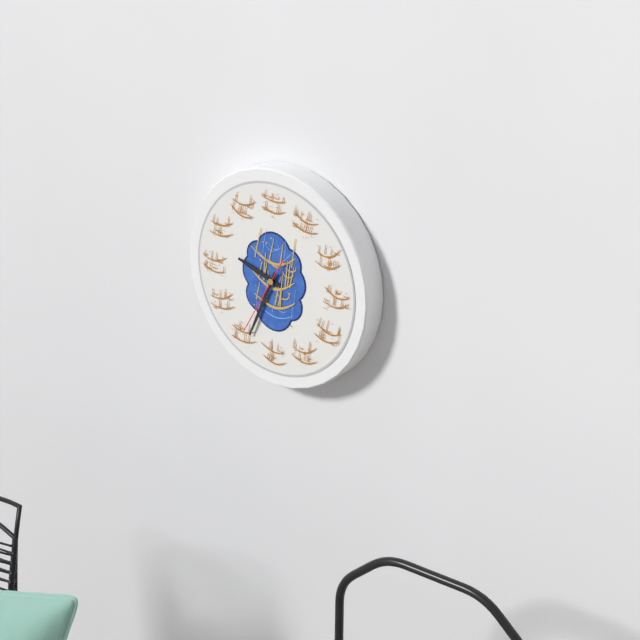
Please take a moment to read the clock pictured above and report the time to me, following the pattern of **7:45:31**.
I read **9:34:35**
